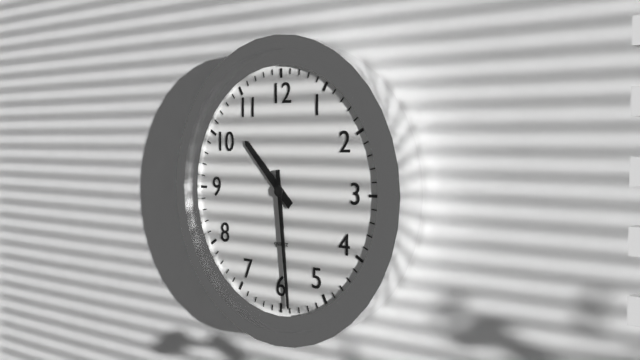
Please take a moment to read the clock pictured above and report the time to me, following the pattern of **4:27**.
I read **10:29**
